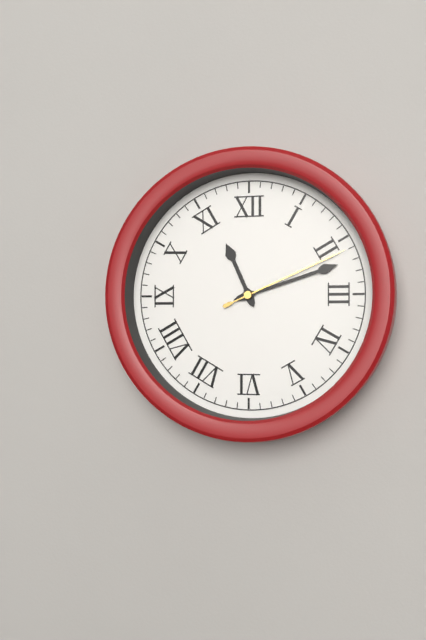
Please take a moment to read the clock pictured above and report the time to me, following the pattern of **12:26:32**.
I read **11:12:11**
